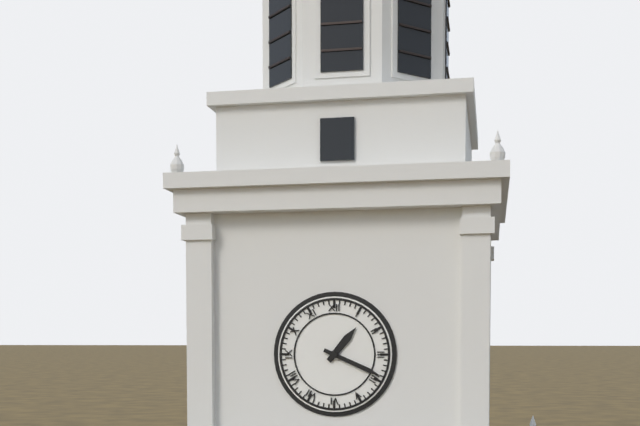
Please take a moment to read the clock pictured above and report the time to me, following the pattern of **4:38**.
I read **1:19**
